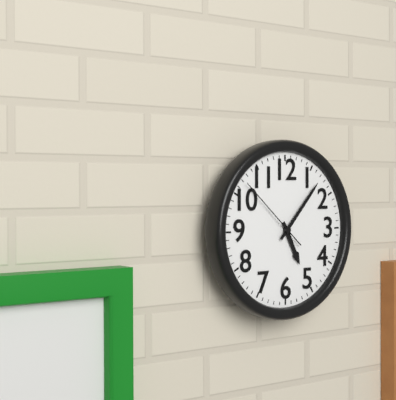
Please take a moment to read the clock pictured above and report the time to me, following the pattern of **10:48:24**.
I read **5:07:52**
